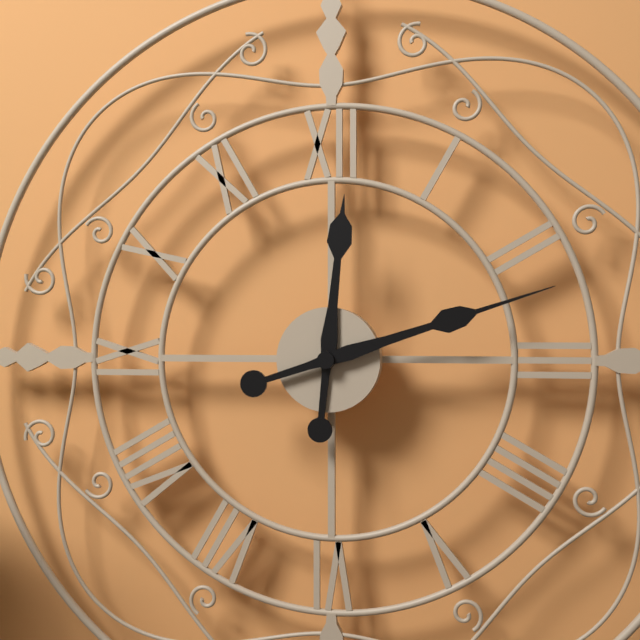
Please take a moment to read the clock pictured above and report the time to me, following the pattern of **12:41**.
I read **12:12**
